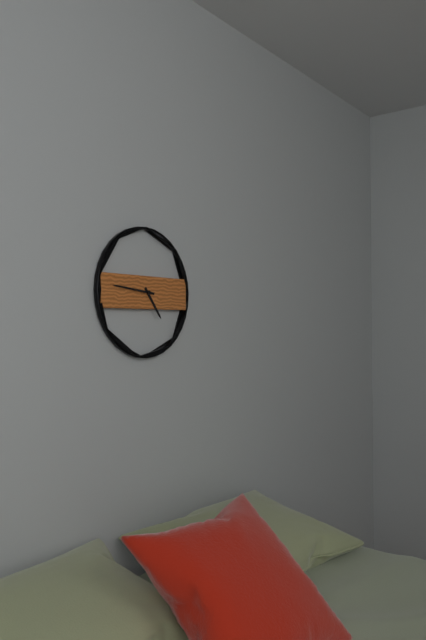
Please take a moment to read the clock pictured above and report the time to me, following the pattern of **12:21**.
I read **4:46**
